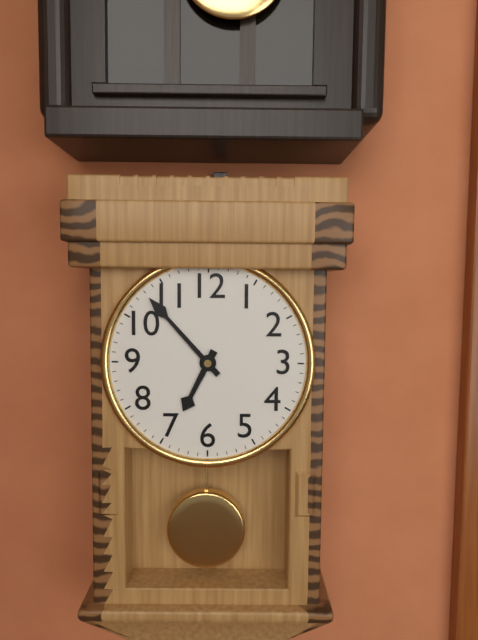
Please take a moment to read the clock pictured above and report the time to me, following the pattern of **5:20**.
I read **6:53**
